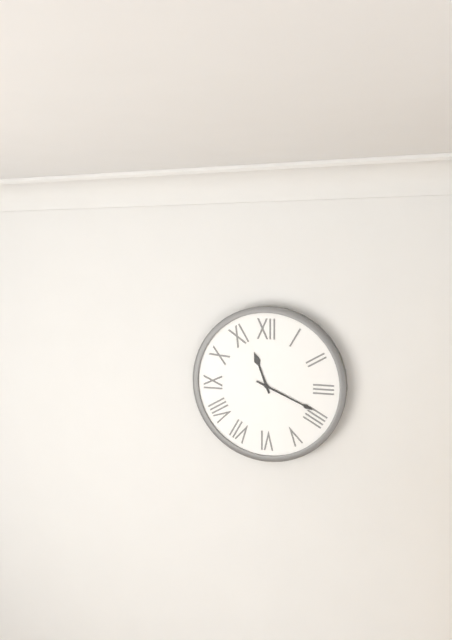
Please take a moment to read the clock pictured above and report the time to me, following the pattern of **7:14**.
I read **11:19**
